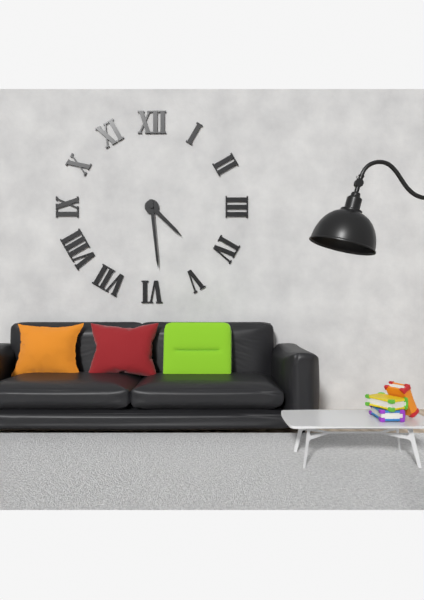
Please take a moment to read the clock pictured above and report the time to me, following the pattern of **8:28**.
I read **4:29**
